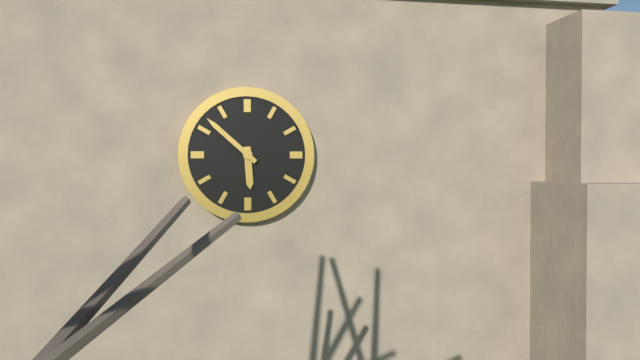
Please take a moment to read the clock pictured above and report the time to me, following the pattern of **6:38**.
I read **5:52**
